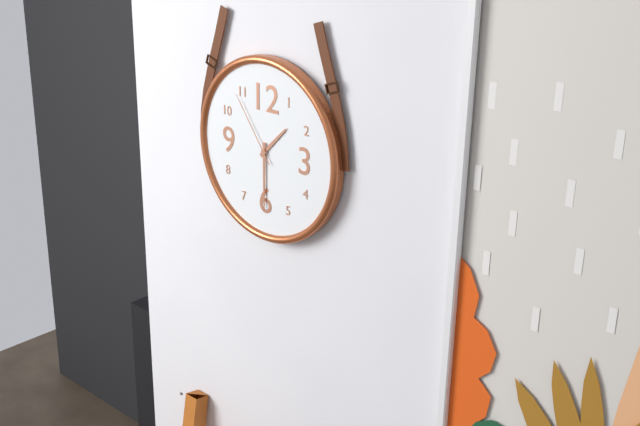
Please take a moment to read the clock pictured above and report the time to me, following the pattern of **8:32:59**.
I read **1:30:54**
